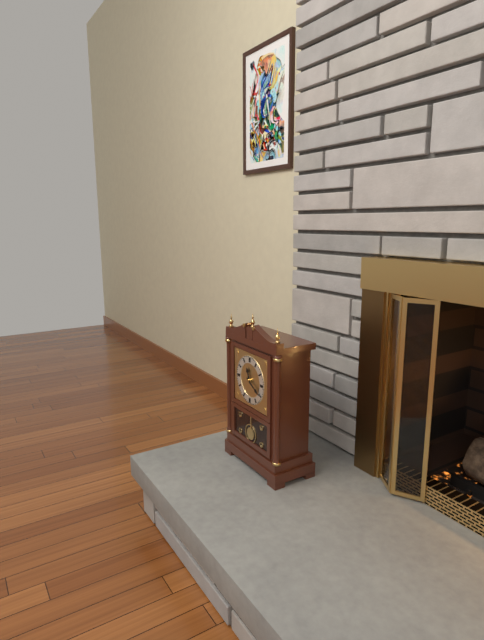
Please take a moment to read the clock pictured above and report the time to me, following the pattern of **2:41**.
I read **11:20**
